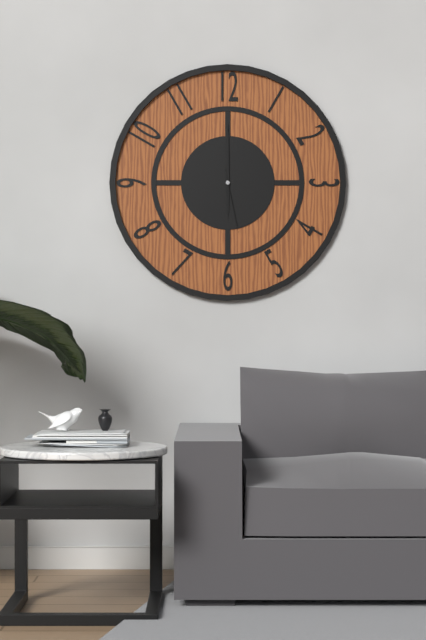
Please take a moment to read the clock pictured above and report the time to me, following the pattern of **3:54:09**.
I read **6:00:28**
